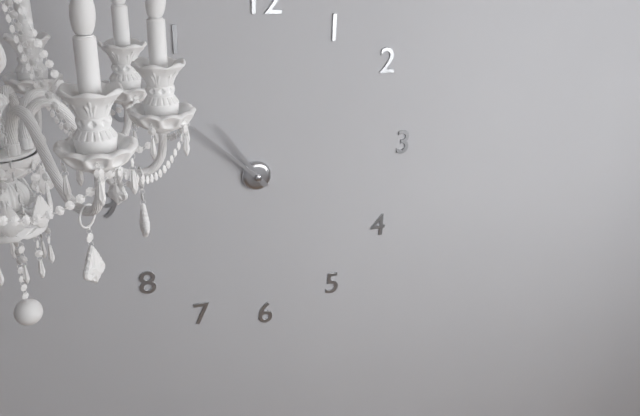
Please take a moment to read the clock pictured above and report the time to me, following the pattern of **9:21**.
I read **10:52**
